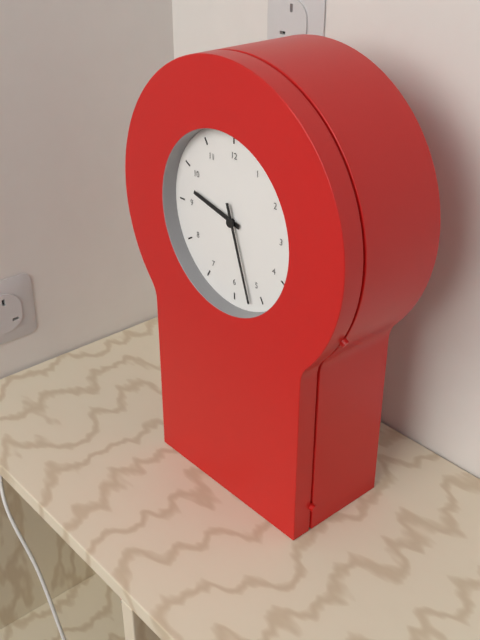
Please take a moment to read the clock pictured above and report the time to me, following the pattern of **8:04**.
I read **9:27**
